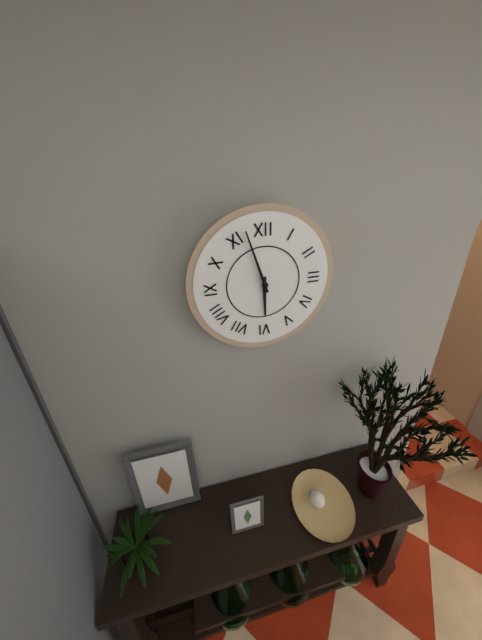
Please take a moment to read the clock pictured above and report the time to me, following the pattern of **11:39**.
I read **5:57**
